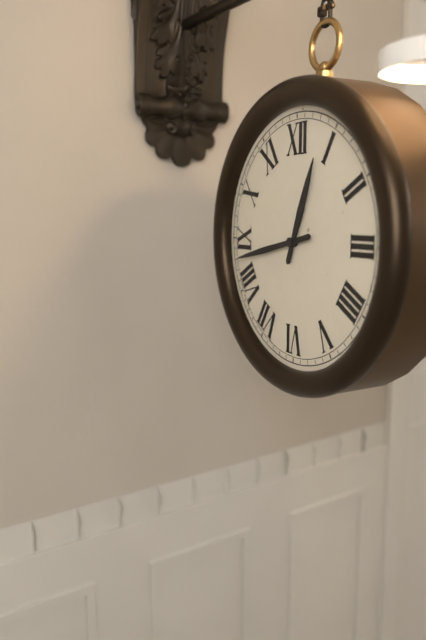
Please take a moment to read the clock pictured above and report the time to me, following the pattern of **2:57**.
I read **12:43**
